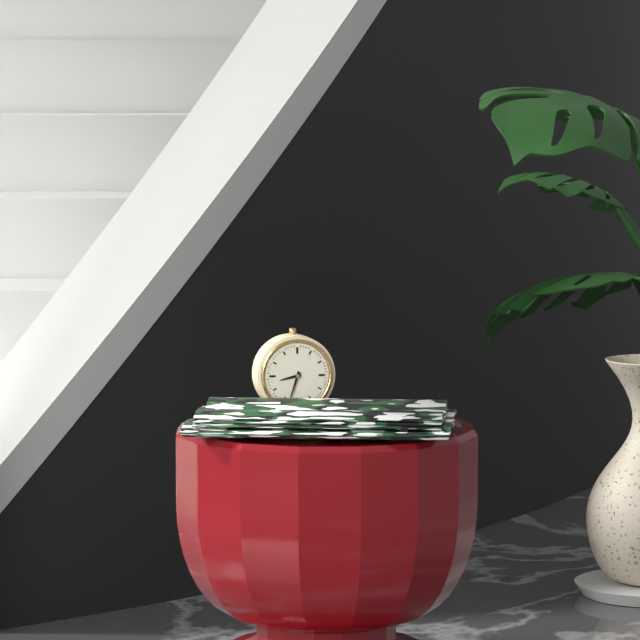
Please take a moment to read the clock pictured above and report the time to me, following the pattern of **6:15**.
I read **8:33**
